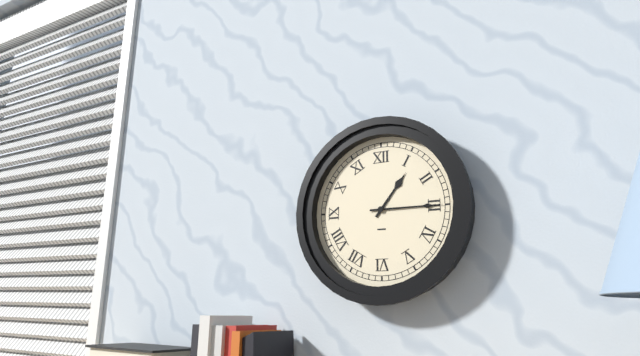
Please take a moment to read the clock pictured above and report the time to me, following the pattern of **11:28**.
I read **1:15**
